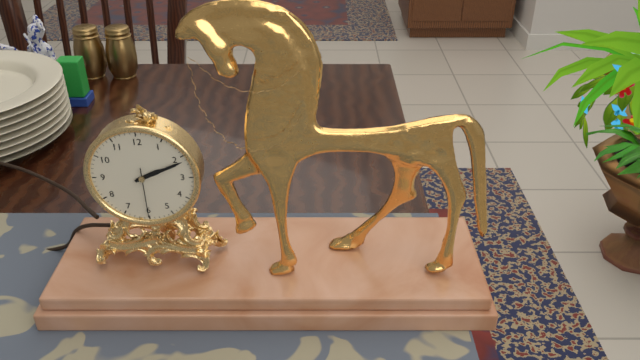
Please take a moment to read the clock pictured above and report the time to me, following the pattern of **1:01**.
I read **2:11**
